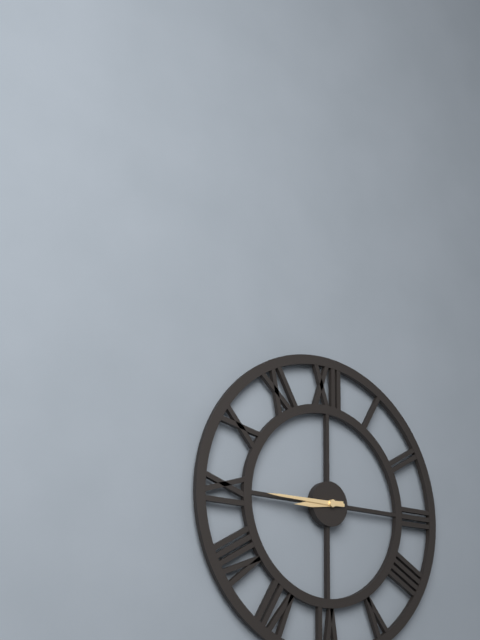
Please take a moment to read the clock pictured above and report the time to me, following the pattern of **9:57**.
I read **8:45**
